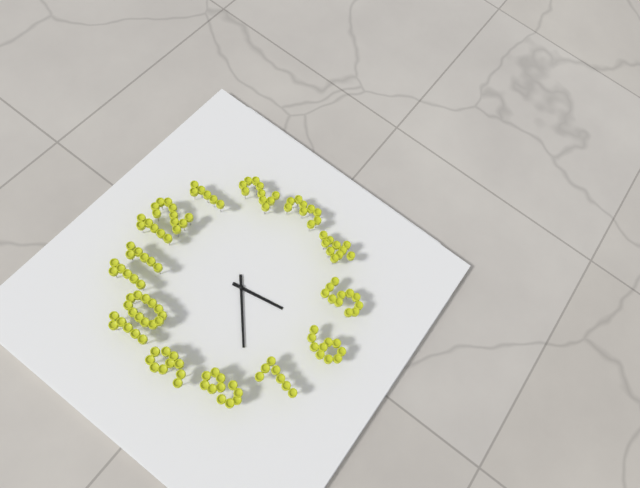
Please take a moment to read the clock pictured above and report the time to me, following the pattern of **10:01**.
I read **5:38**
